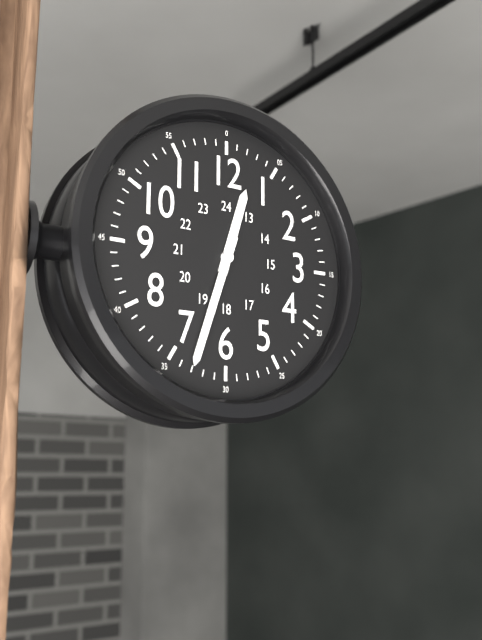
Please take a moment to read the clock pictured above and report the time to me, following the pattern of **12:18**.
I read **12:33**
